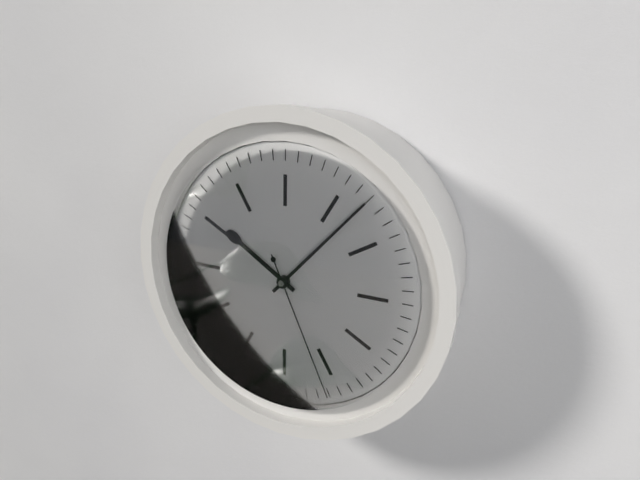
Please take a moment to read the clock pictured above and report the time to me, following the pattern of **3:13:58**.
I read **10:07:26**
